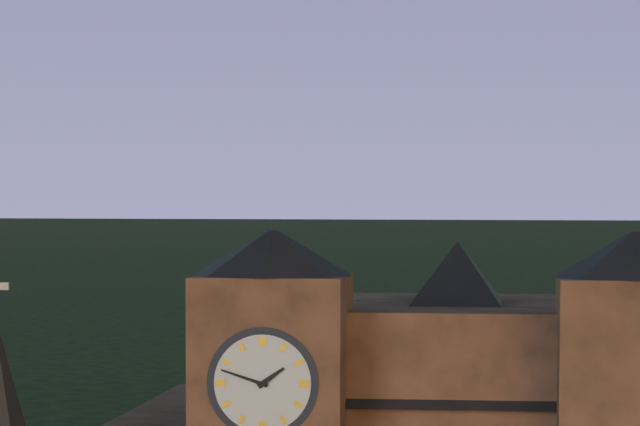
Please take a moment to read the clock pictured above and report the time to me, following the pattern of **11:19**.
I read **1:48**
